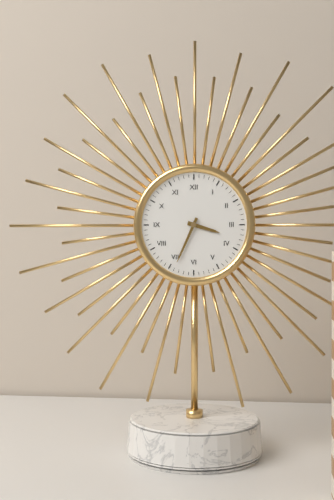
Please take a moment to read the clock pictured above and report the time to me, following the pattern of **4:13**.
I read **3:34**
